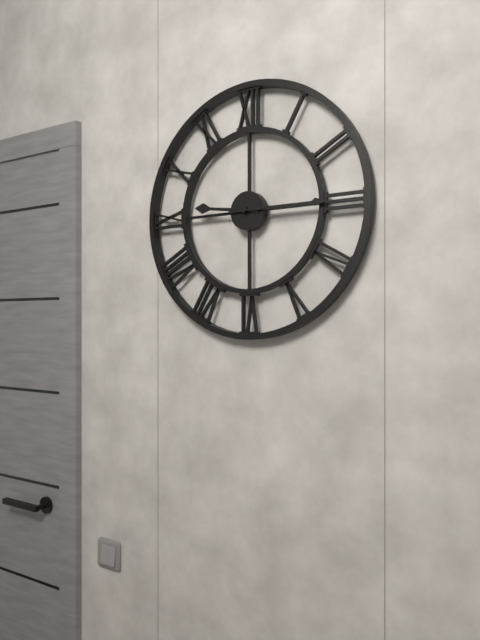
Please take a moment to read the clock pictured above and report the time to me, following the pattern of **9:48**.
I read **9:15**
